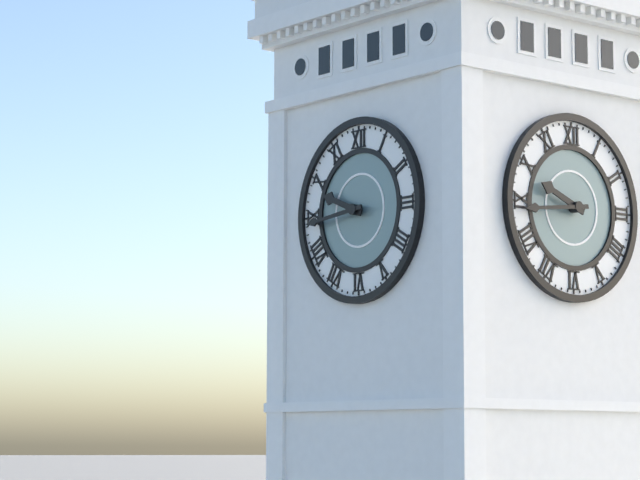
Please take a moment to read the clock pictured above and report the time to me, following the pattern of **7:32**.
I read **9:44**
